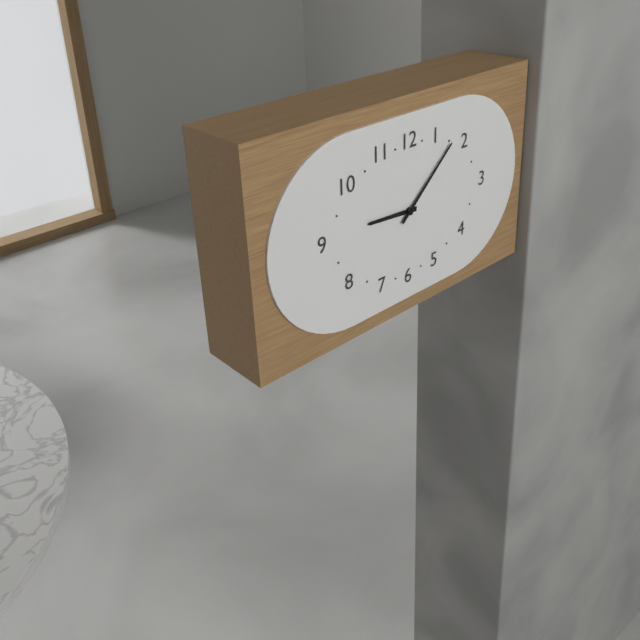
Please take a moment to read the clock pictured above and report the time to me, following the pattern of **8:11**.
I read **9:08**
